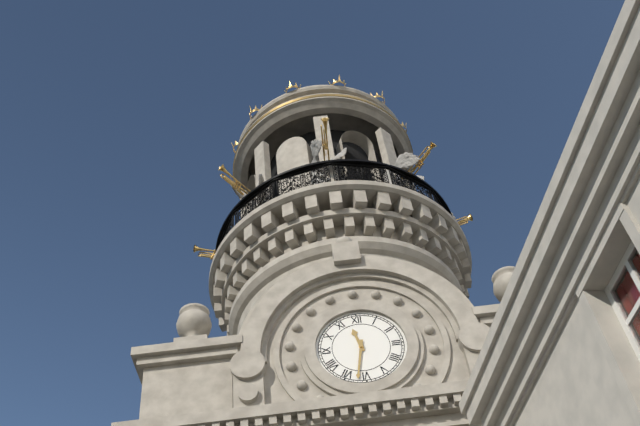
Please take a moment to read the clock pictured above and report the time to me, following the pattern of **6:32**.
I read **11:32**
